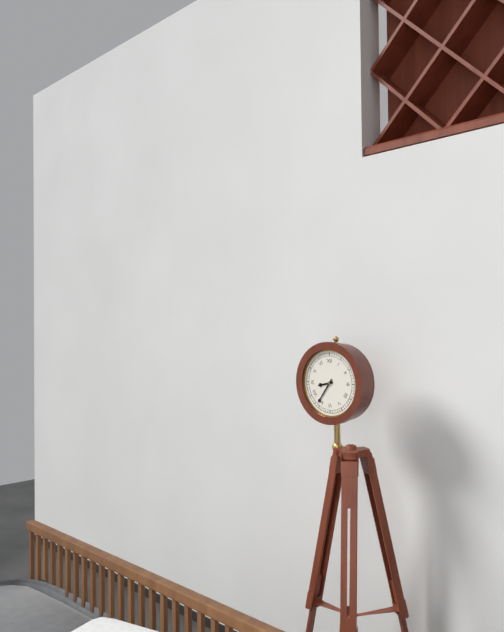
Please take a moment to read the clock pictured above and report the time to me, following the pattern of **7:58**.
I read **8:36**
